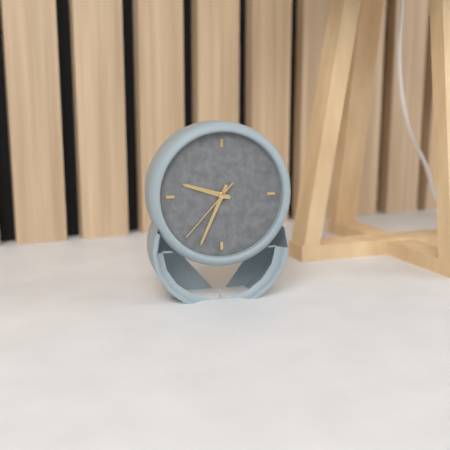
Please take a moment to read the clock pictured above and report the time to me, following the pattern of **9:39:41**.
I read **9:34:37**
